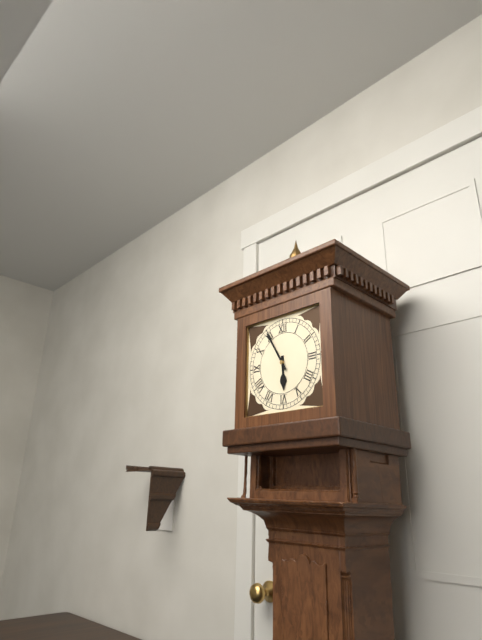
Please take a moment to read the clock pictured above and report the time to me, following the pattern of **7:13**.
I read **5:55**
